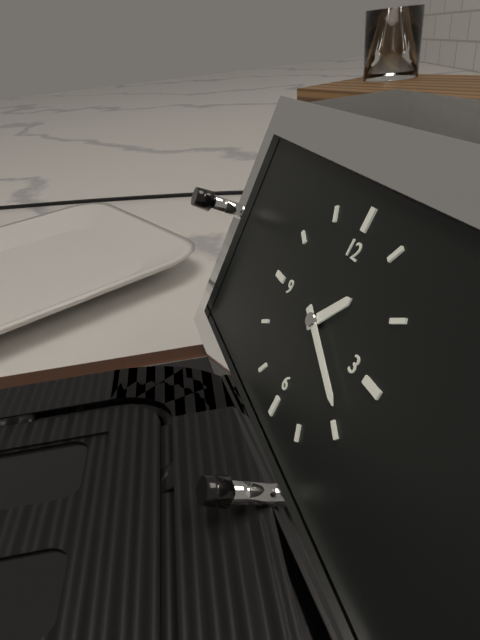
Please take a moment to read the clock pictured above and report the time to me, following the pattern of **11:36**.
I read **1:19**
